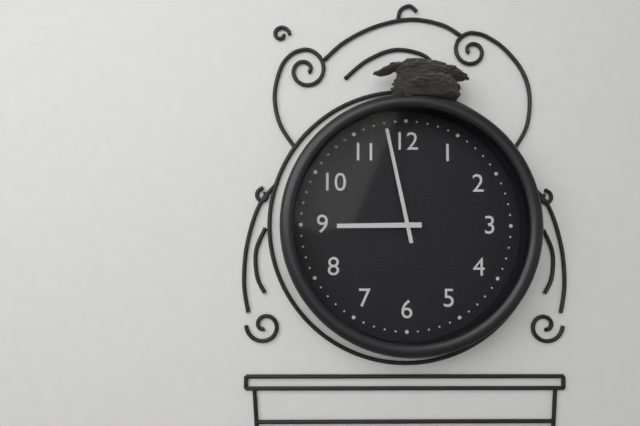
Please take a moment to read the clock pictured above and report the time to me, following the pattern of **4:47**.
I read **8:58**
